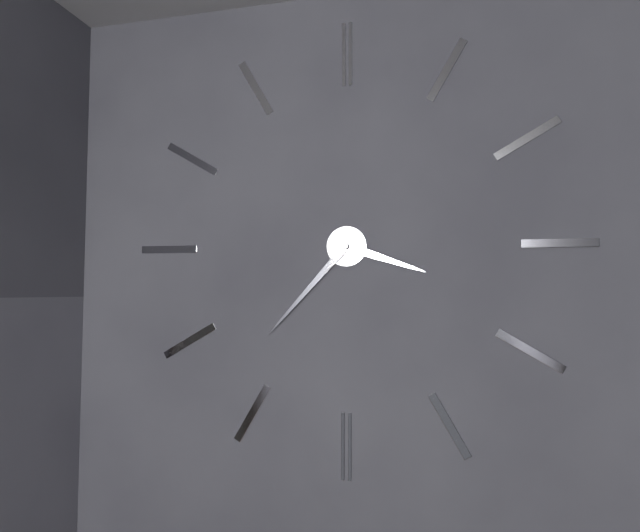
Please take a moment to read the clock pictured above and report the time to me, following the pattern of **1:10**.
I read **3:37**
